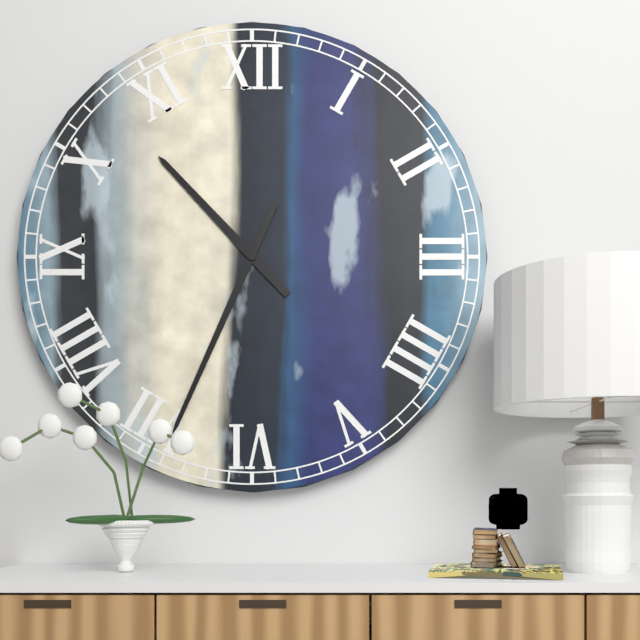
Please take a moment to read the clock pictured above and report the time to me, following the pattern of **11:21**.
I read **10:34**
